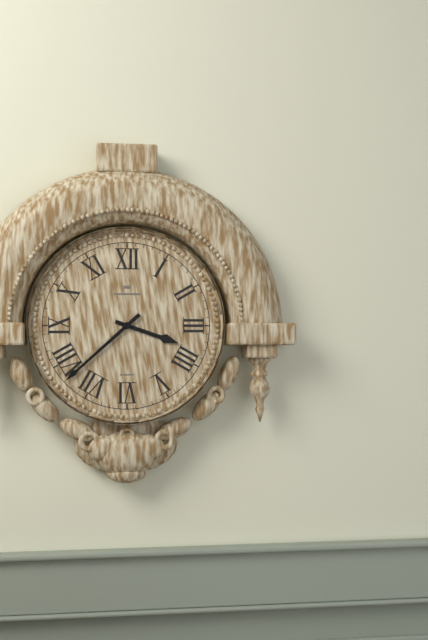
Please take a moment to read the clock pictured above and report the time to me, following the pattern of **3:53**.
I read **3:38**
